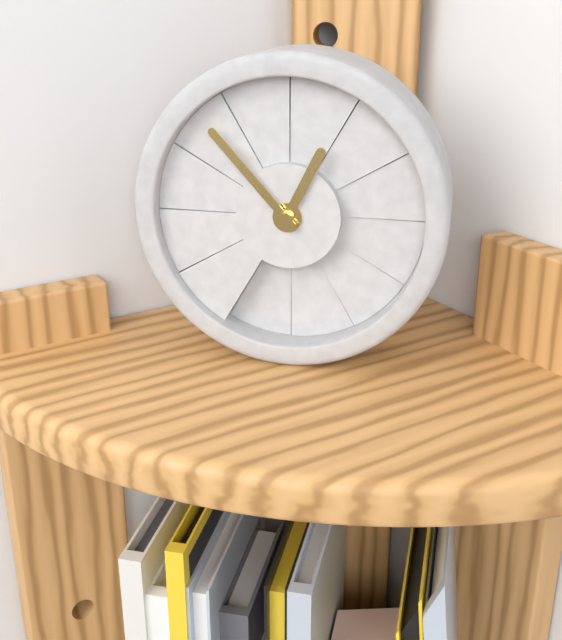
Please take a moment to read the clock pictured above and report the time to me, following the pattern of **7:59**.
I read **12:53**
